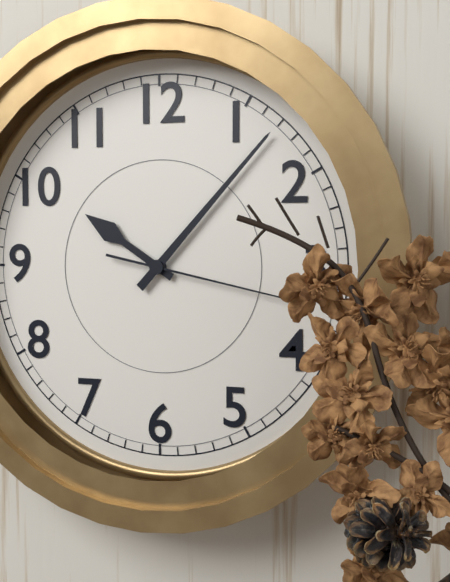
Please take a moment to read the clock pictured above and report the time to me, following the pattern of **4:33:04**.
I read **10:07:17**
